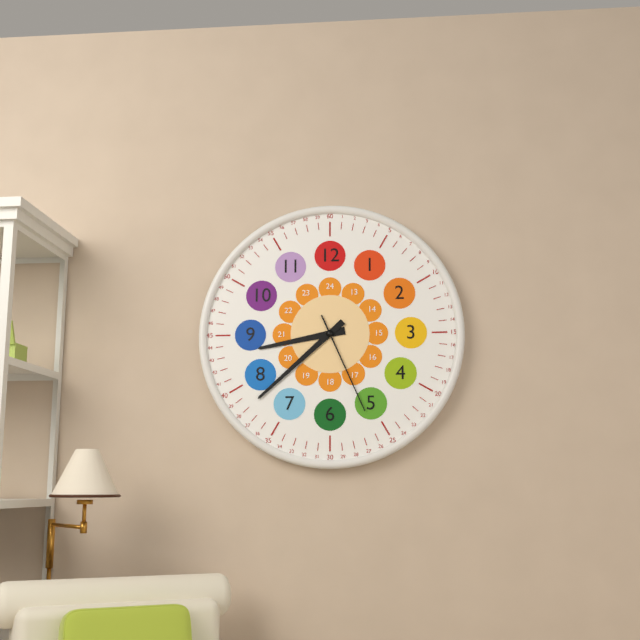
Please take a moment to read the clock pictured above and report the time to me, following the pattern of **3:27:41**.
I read **8:38:26**
